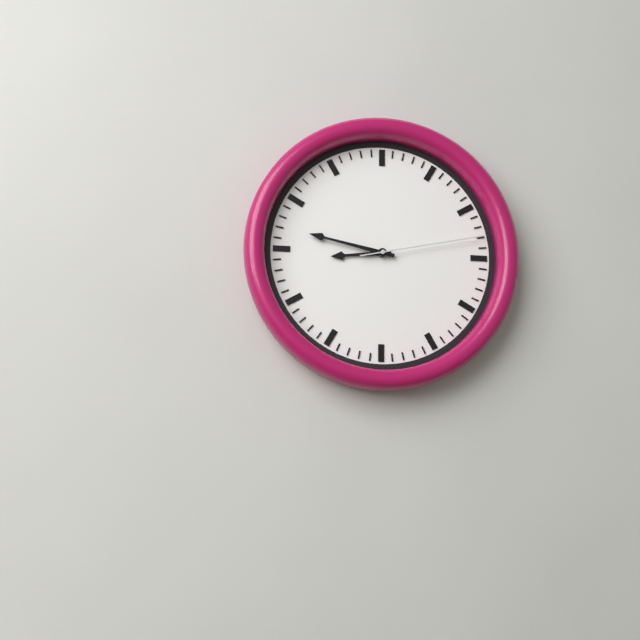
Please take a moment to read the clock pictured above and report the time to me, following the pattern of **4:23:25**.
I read **8:47:13**
